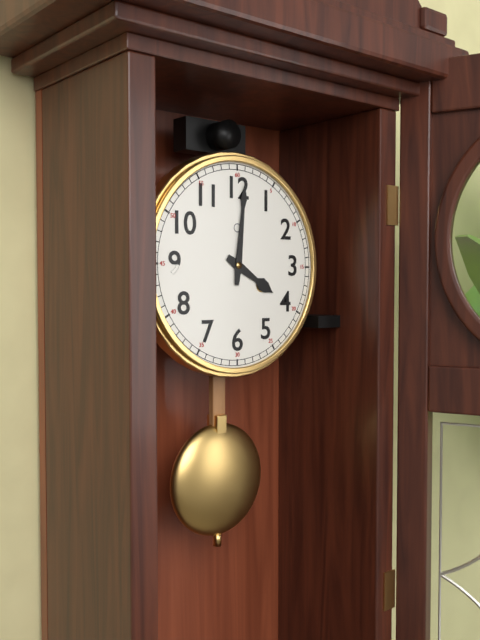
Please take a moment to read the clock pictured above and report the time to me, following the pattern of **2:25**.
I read **4:01**
